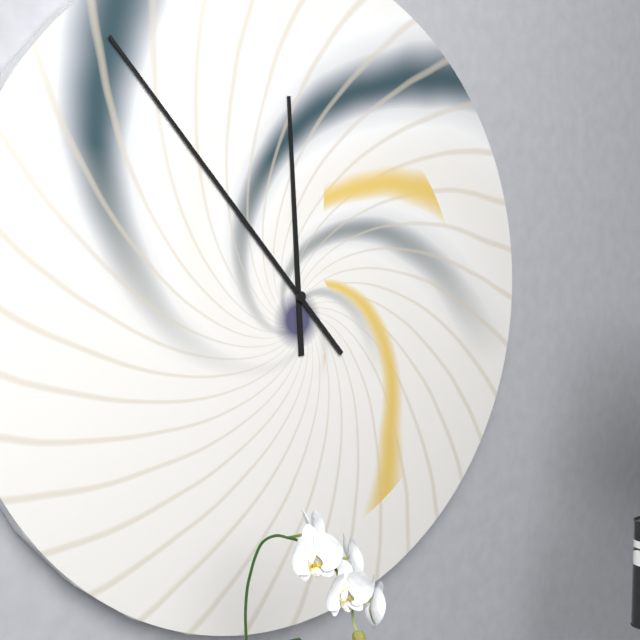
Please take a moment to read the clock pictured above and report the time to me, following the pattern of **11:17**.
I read **11:53**
